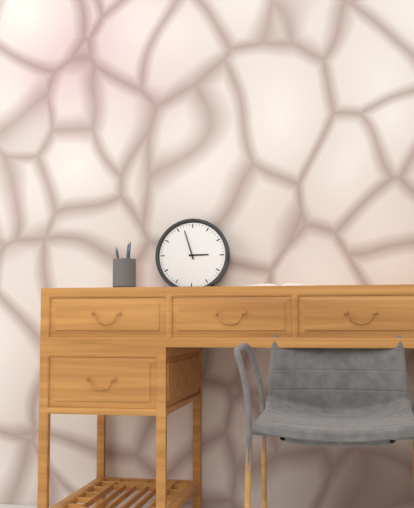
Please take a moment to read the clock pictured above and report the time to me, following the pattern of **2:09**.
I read **2:57**
